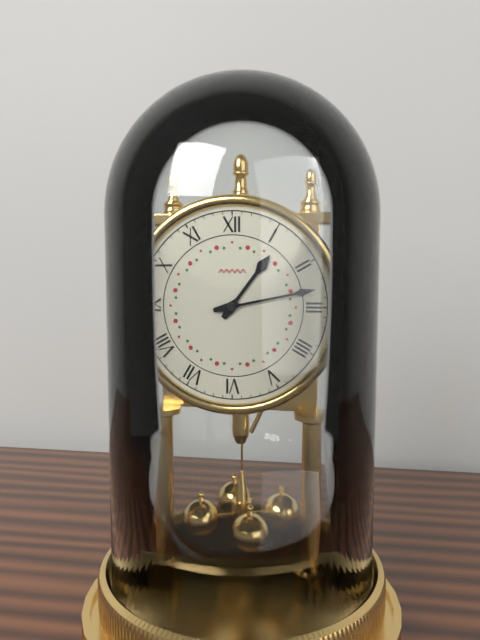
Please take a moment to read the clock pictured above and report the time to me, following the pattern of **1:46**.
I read **1:13**
